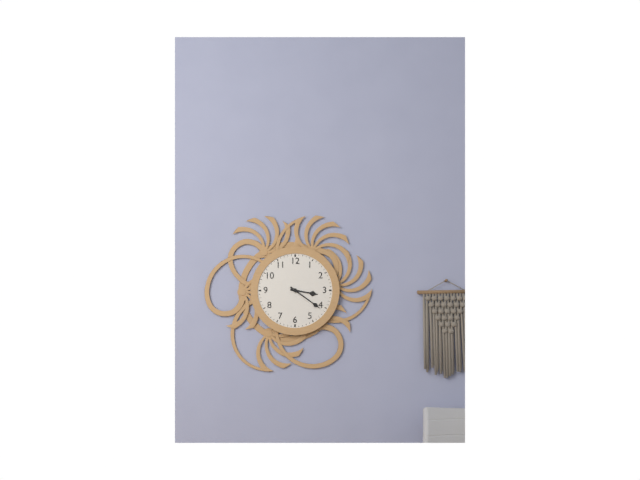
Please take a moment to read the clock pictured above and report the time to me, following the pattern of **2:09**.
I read **3:21**
